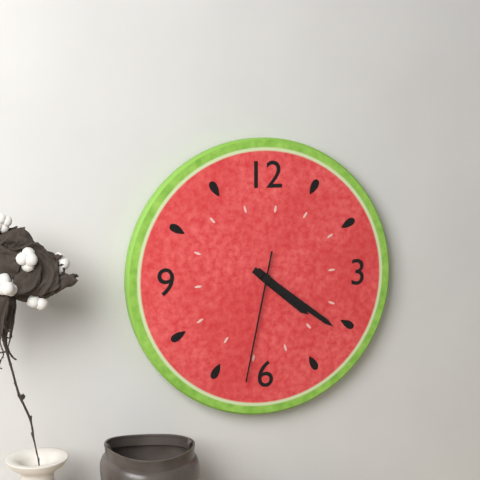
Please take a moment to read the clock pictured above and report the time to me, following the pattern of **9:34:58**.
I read **4:21:32**
